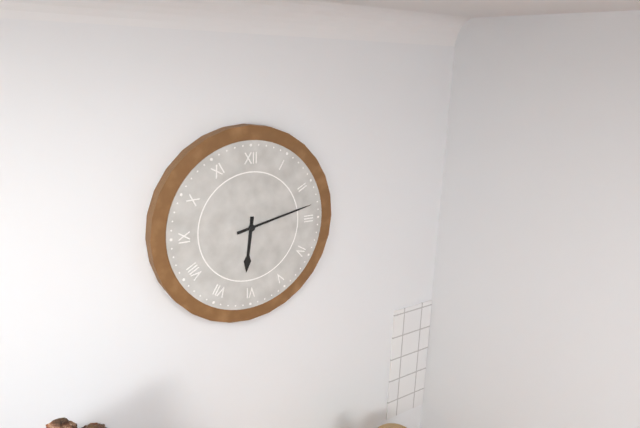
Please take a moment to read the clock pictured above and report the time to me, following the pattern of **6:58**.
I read **6:13**
